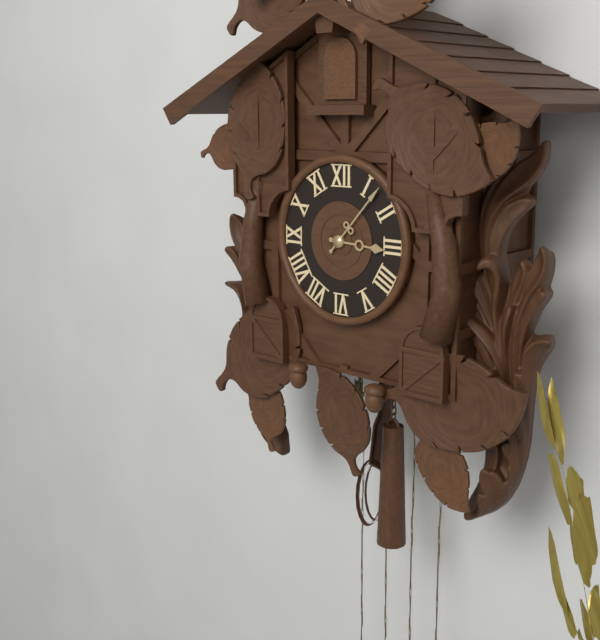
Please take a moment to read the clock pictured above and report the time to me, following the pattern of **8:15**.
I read **3:07**
